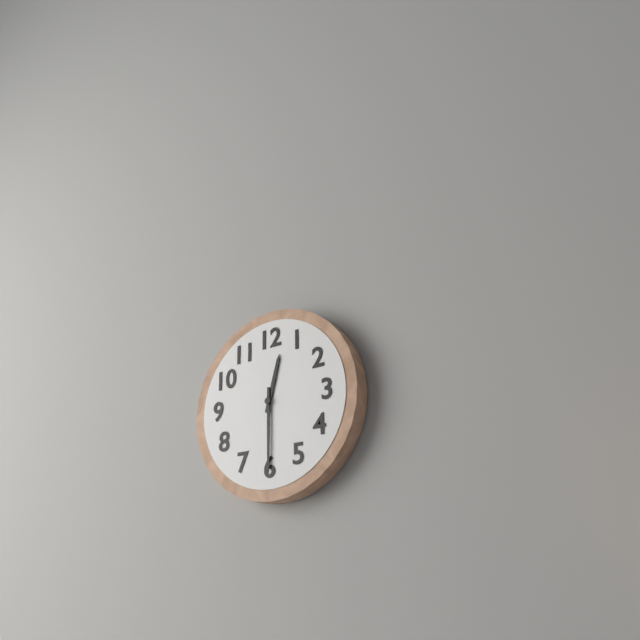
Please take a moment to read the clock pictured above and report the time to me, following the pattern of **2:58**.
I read **12:30**
